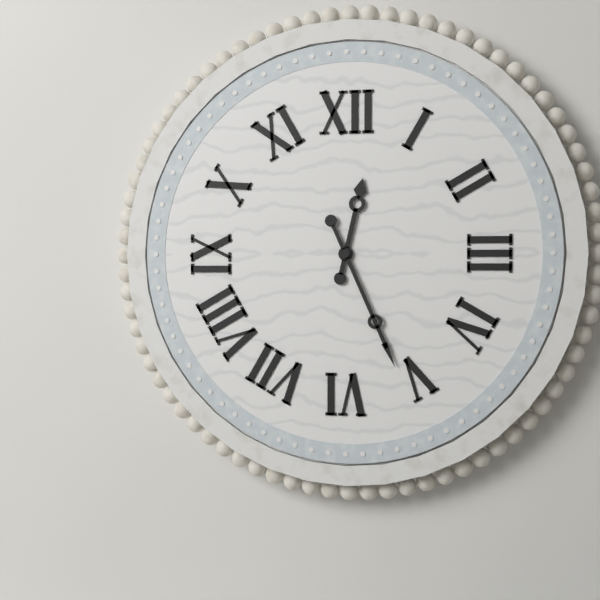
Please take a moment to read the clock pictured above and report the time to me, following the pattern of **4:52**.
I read **12:26**
